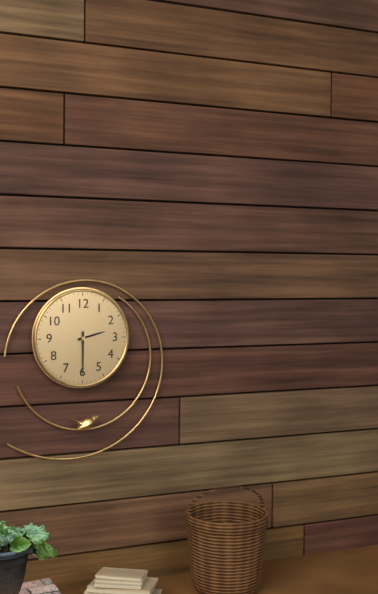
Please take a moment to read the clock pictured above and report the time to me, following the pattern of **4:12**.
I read **2:30**
